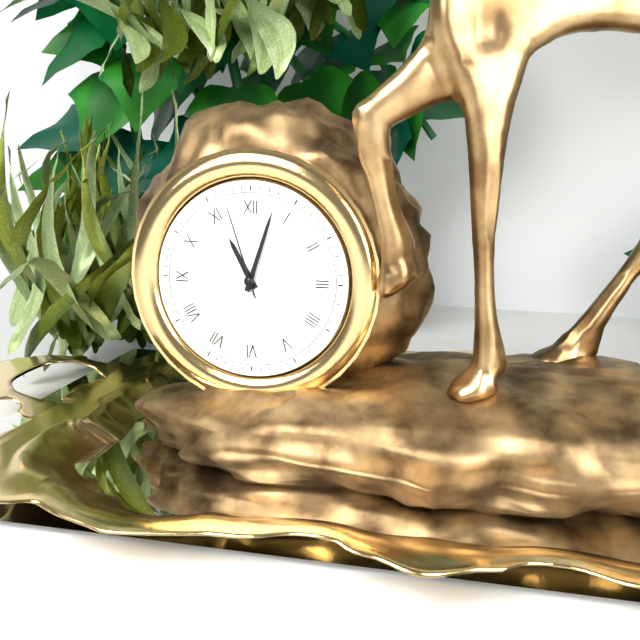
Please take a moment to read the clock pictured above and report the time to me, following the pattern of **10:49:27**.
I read **11:03:57**
